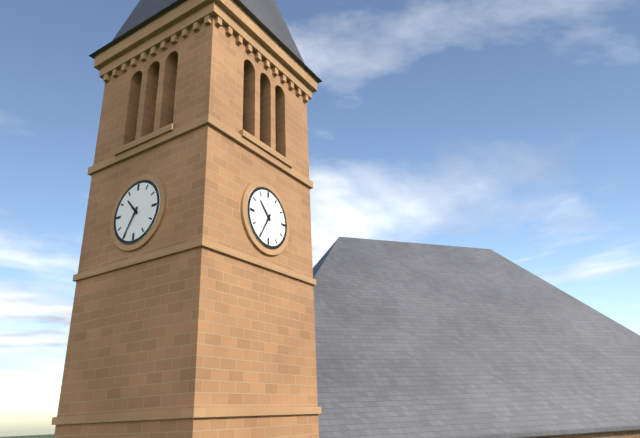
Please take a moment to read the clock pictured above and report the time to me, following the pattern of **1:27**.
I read **10:35**
